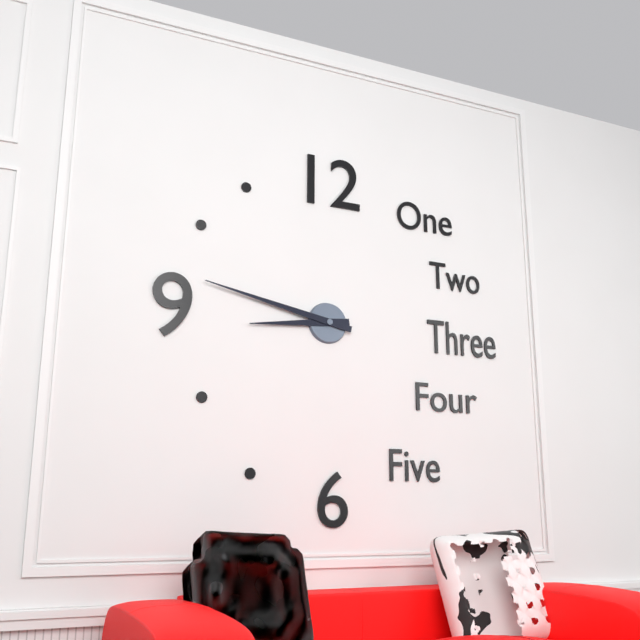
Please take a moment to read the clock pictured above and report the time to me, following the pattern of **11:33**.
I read **8:47**
